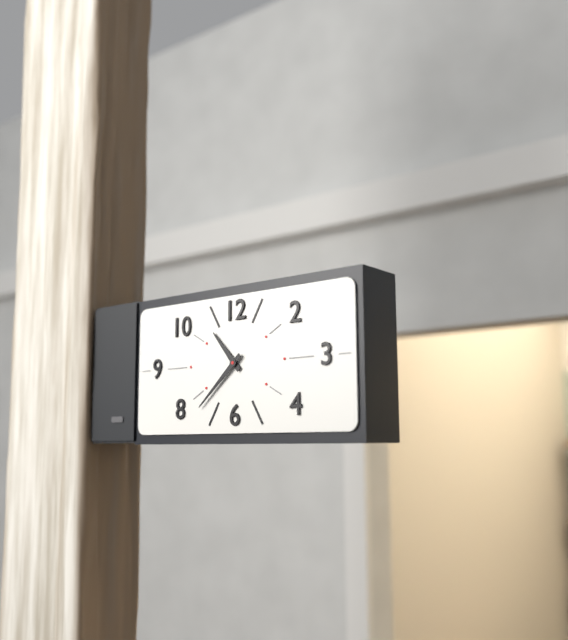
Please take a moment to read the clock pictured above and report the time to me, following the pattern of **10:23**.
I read **10:38**
